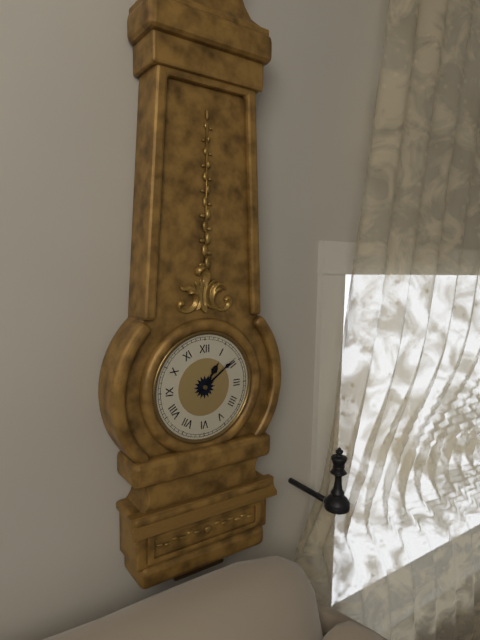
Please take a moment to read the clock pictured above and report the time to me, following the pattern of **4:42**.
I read **1:09**
